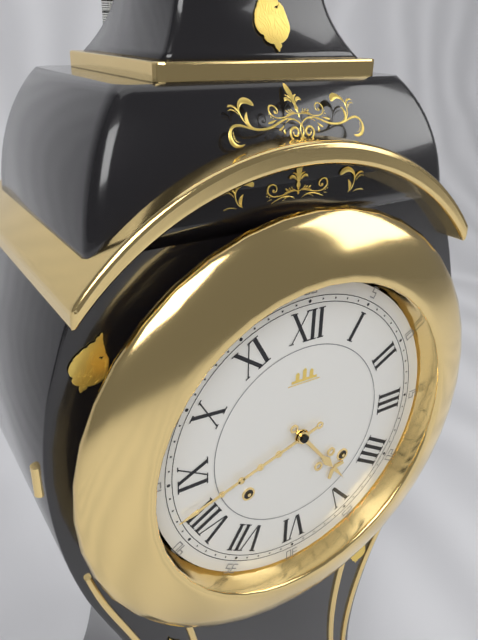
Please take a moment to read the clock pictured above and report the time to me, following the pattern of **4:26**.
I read **4:42**
